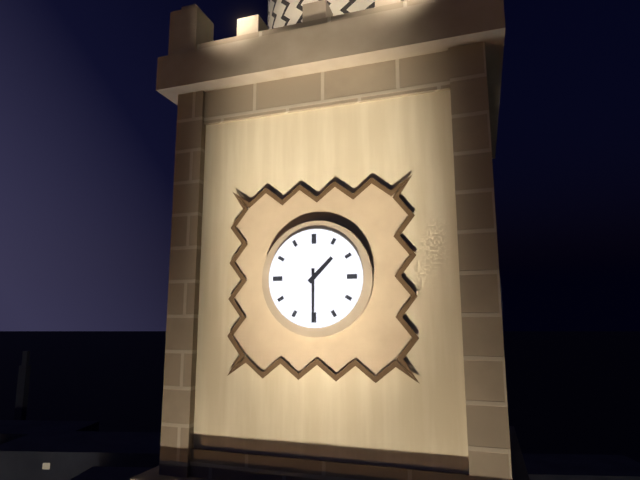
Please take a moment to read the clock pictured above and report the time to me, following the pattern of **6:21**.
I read **1:30**
